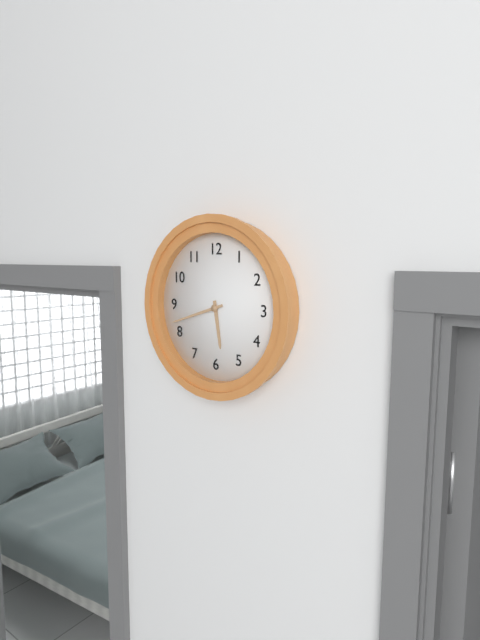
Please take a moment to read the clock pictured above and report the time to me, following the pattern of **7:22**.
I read **5:42**
